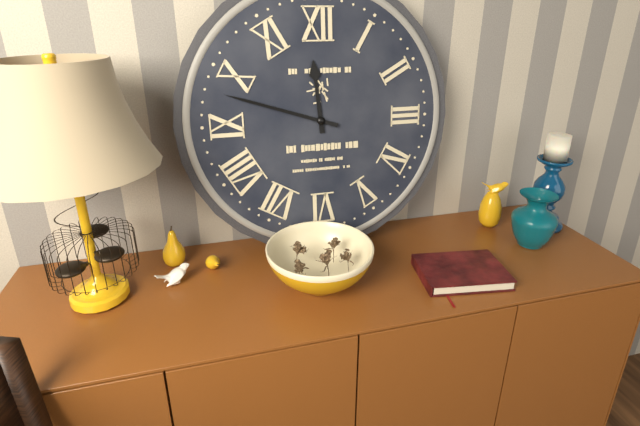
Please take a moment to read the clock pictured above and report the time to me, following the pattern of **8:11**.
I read **11:48**
